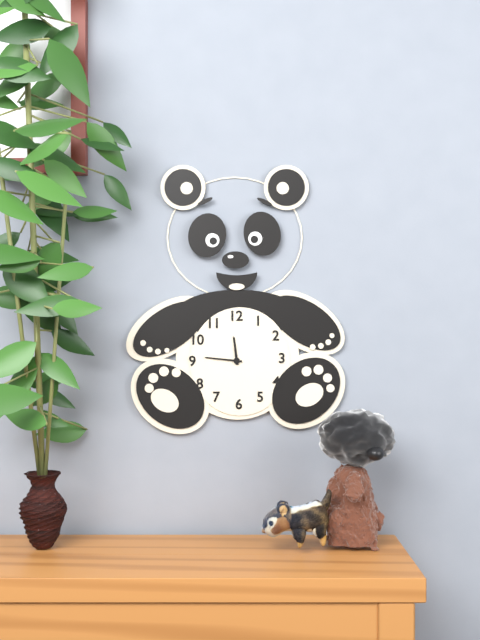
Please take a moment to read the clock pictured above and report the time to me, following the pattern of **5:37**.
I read **11:46**
